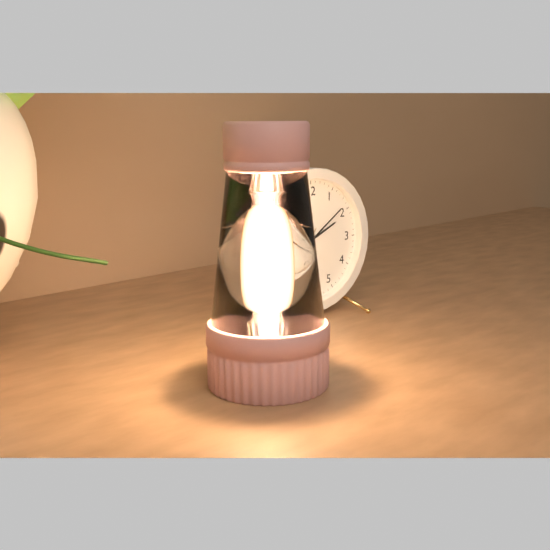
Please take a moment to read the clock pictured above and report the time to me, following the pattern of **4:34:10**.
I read **2:09:34**
